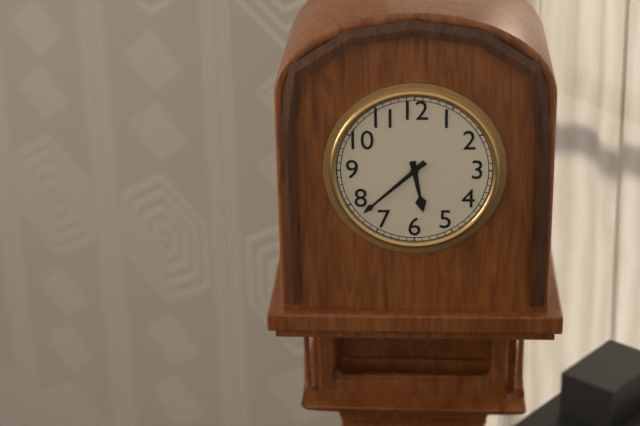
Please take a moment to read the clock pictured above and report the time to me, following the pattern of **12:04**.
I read **5:38**
